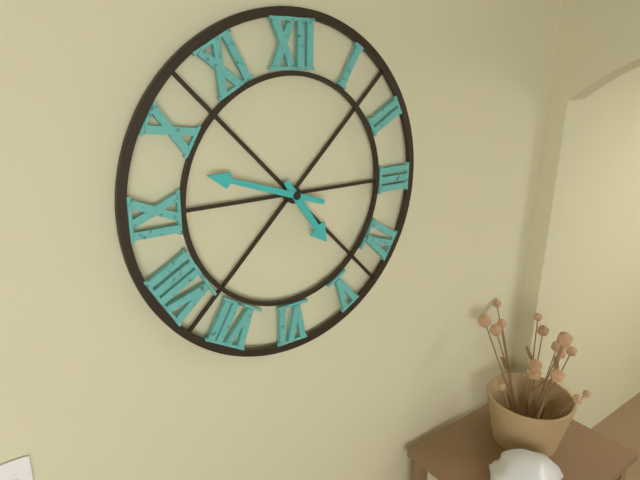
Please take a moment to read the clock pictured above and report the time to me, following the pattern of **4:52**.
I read **4:48**
